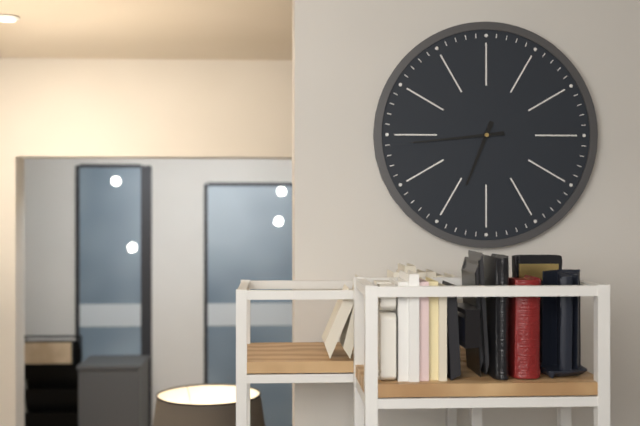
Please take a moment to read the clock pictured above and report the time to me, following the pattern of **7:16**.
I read **6:44**
